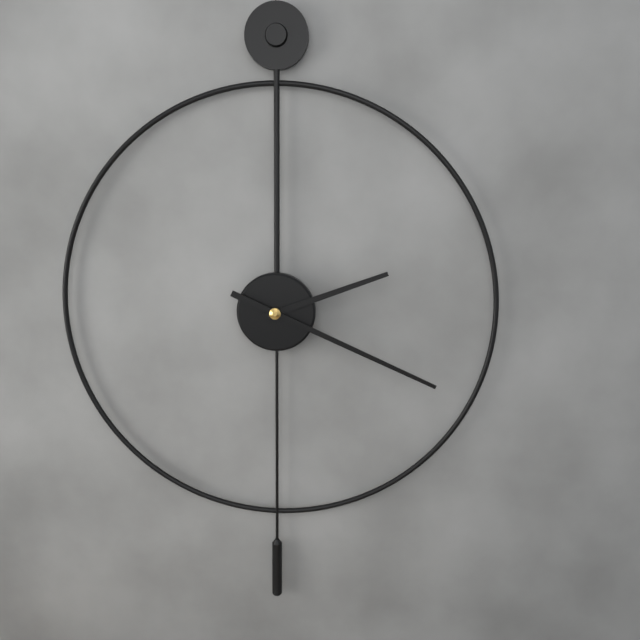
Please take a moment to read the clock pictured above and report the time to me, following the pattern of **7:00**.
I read **2:19**
